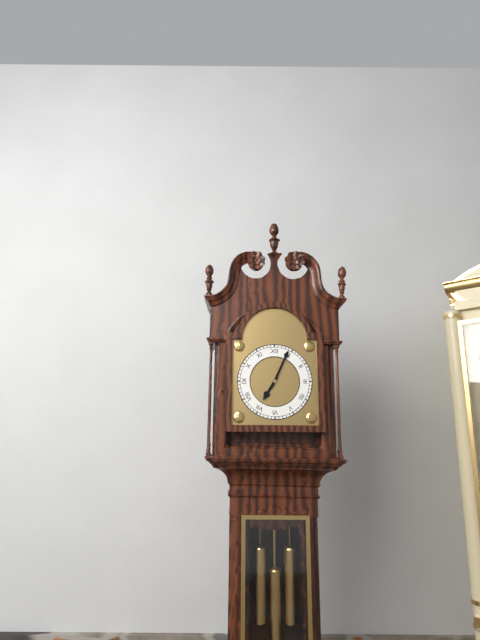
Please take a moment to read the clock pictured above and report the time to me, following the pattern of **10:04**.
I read **7:04**
